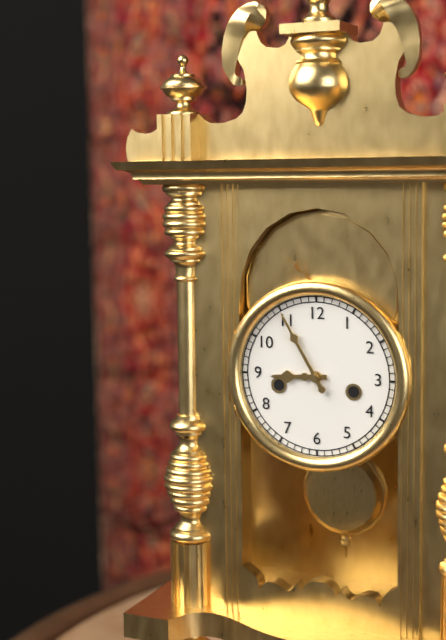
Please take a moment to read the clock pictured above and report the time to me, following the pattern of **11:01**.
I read **8:55**
